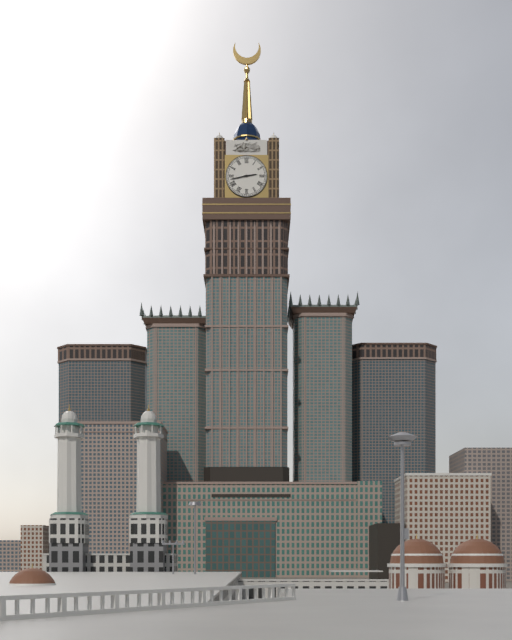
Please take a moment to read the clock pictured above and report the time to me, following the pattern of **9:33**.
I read **2:43**
